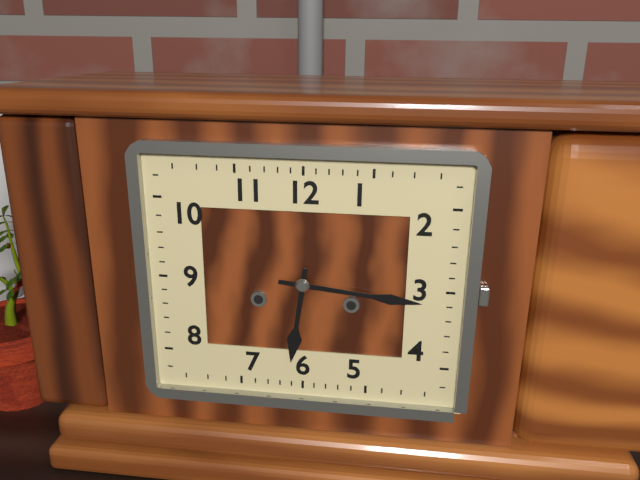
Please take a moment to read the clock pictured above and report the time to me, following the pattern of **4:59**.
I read **6:16**
